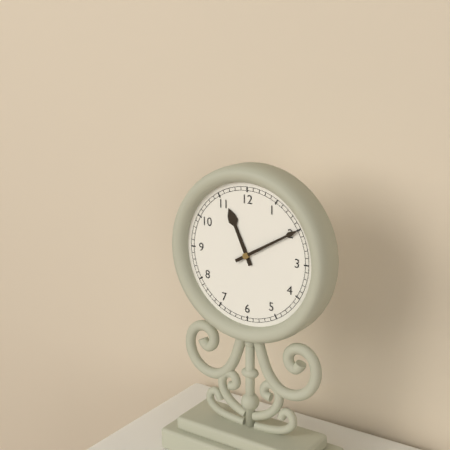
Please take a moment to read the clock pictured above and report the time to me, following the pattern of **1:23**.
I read **11:10**
